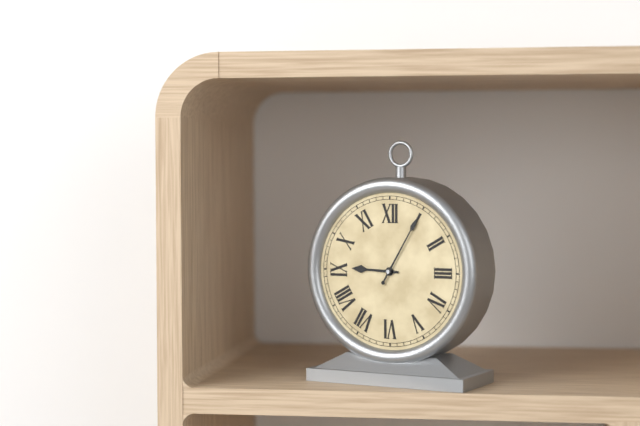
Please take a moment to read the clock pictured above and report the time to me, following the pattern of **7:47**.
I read **9:05**
